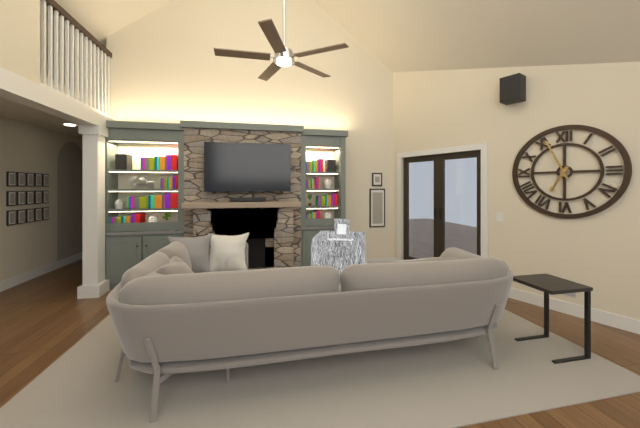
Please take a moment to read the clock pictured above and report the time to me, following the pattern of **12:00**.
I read **6:56**
